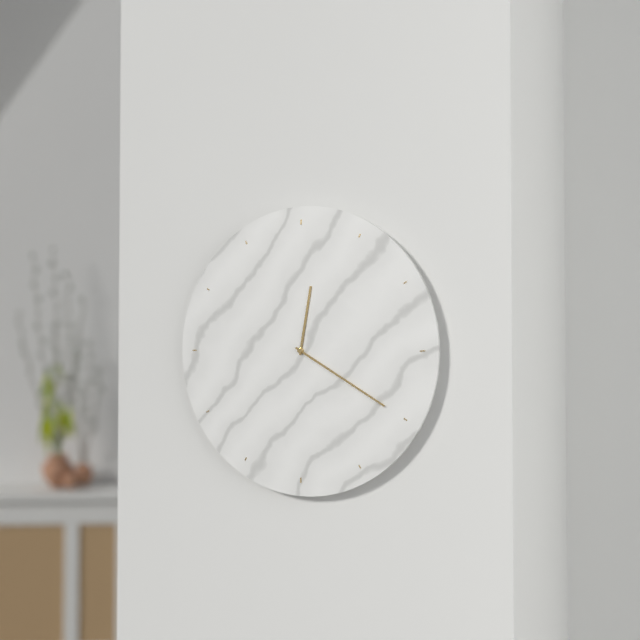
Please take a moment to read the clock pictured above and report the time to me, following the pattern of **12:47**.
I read **12:20**
